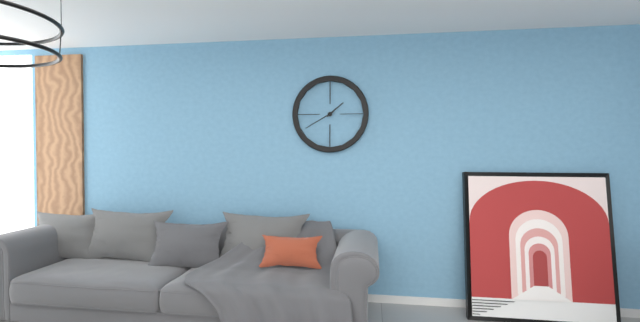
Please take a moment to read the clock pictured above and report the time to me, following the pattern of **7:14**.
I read **1:40**
